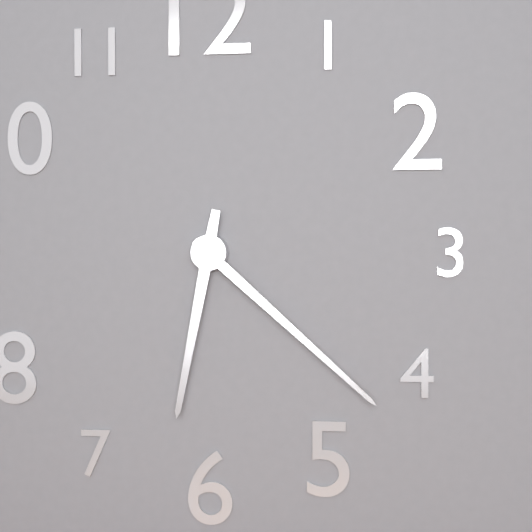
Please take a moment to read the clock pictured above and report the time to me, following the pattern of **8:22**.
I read **6:22**
